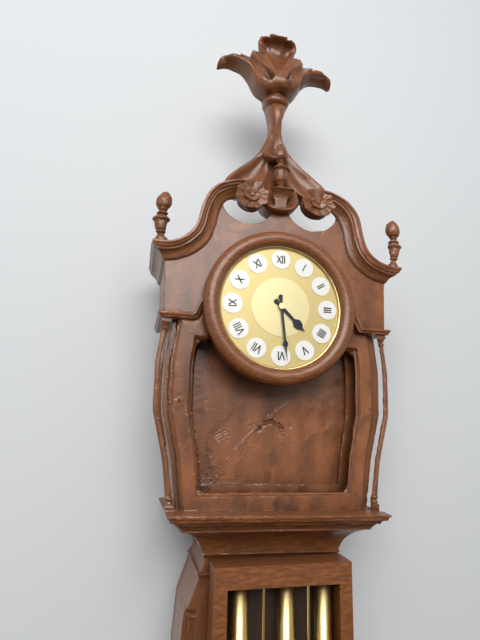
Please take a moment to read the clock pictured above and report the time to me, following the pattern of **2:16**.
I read **4:29**
